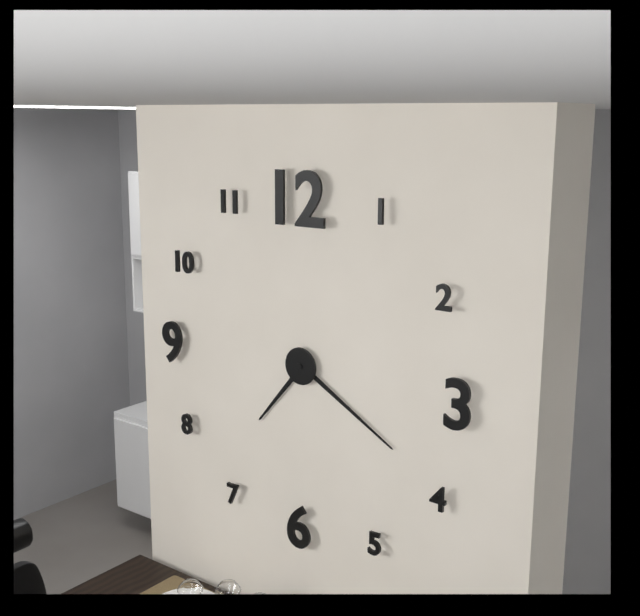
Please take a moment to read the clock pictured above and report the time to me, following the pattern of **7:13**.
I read **7:20**
